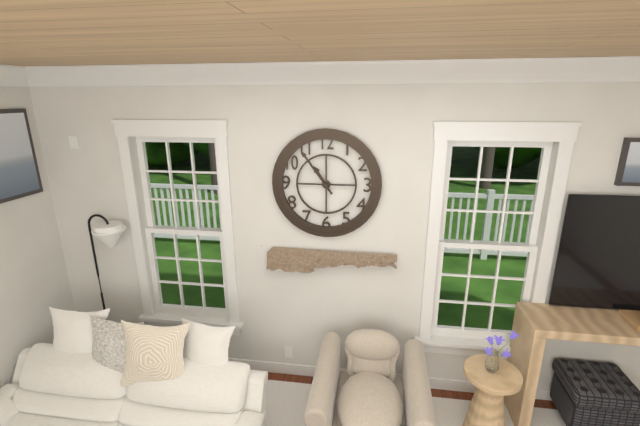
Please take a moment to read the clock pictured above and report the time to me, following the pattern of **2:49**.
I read **10:54**
